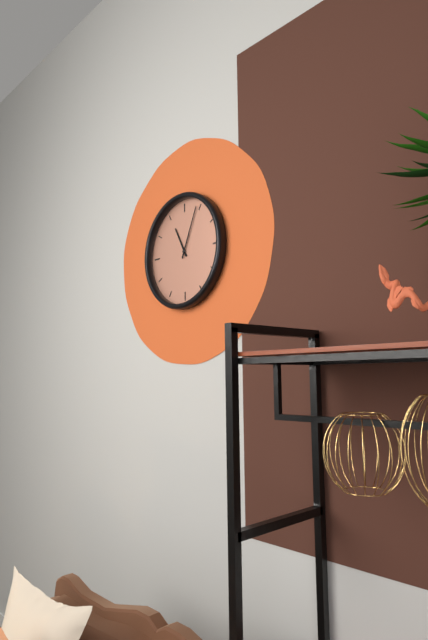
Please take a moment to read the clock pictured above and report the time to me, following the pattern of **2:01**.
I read **11:04**
